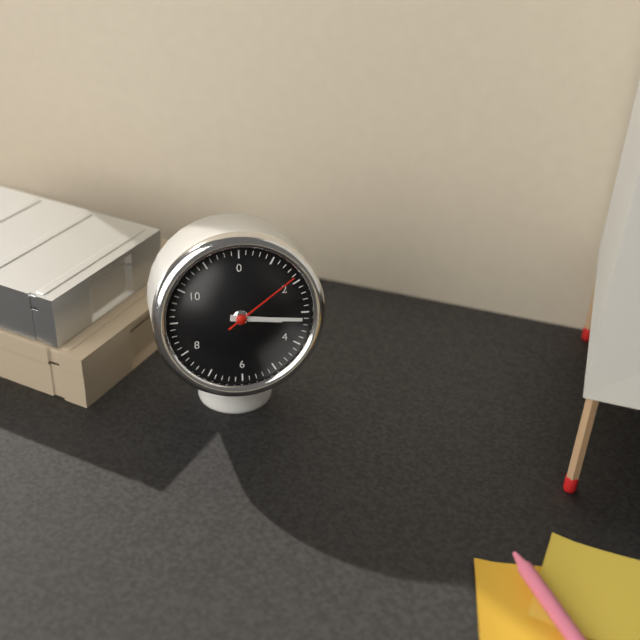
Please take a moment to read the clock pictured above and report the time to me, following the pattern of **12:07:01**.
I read **3:16:09**
